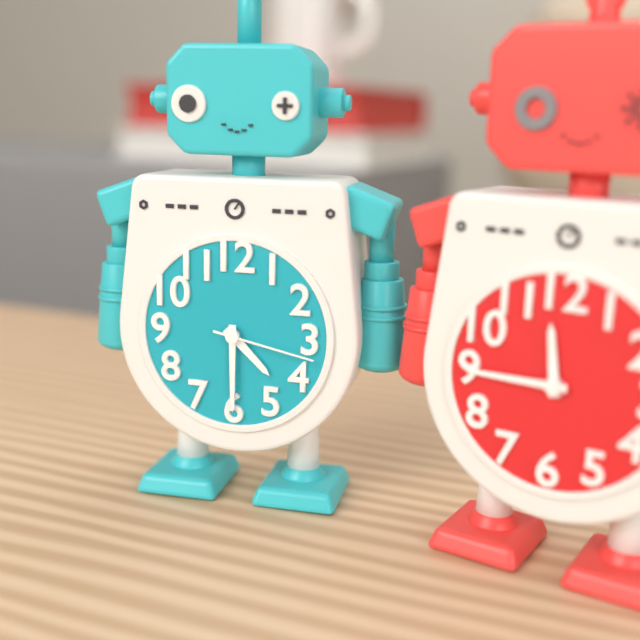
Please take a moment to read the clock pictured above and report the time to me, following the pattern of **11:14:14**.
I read **4:30:17**
